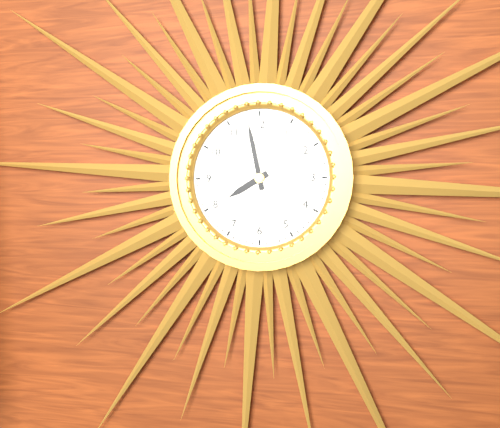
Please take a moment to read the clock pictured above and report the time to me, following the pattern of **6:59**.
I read **7:58**
